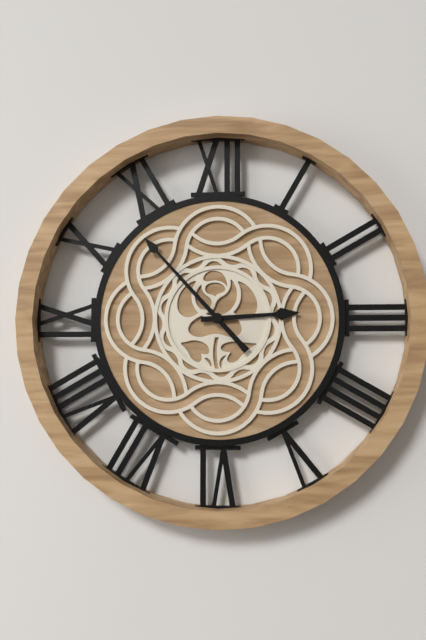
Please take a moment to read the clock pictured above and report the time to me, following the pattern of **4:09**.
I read **2:53**
